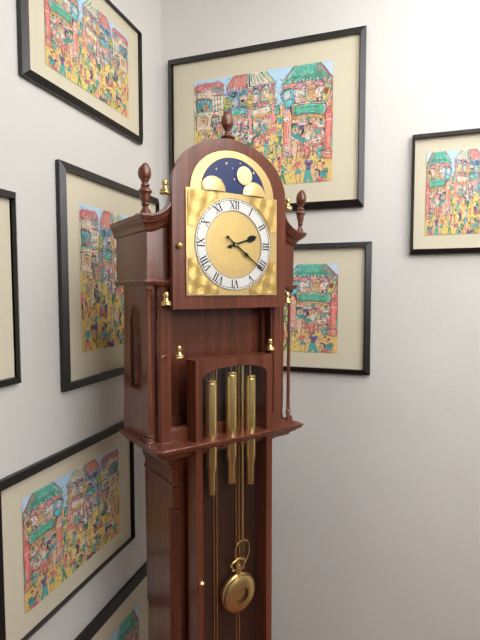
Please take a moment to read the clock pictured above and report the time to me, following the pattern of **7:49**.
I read **2:21**
